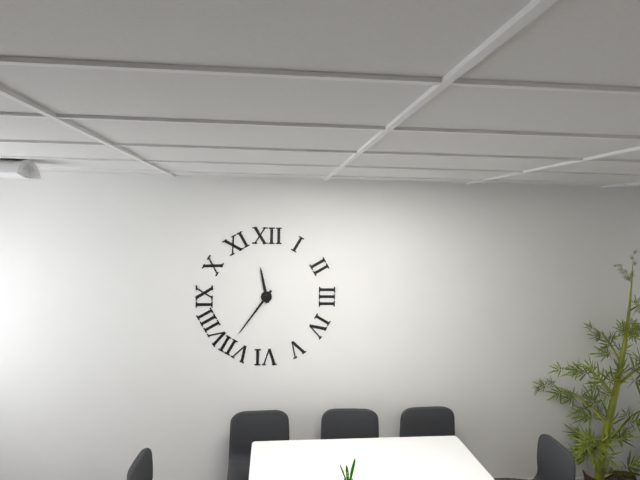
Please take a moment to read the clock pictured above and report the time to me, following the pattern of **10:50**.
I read **11:36**
